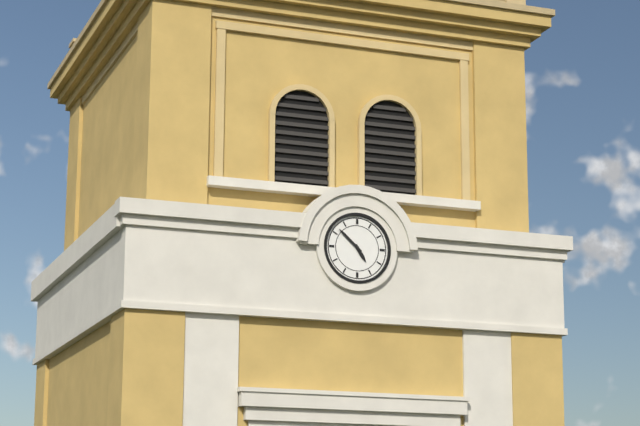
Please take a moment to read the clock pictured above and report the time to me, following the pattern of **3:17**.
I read **4:52**
